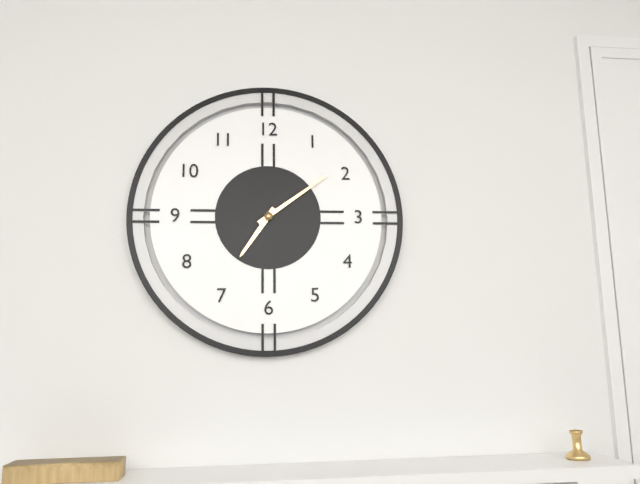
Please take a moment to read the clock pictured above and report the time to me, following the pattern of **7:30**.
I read **7:09**
